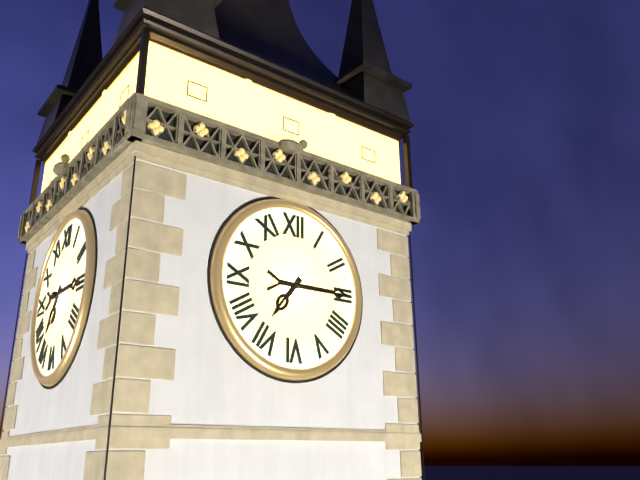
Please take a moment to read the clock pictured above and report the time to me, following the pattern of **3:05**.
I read **7:15**
